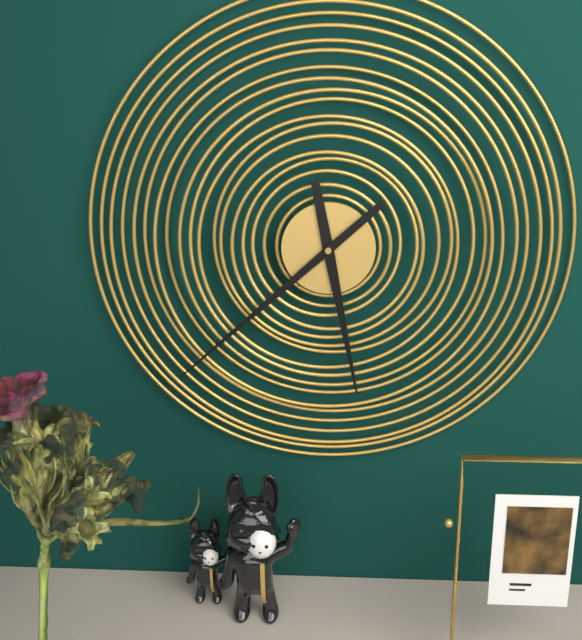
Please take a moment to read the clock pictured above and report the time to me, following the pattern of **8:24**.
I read **5:38**
